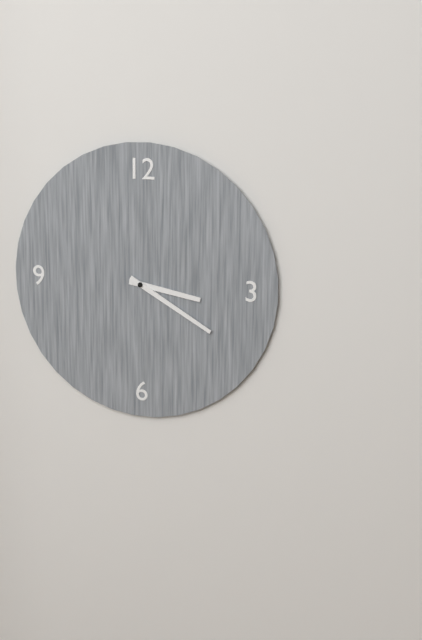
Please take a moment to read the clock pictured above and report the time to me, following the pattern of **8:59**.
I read **3:20**
